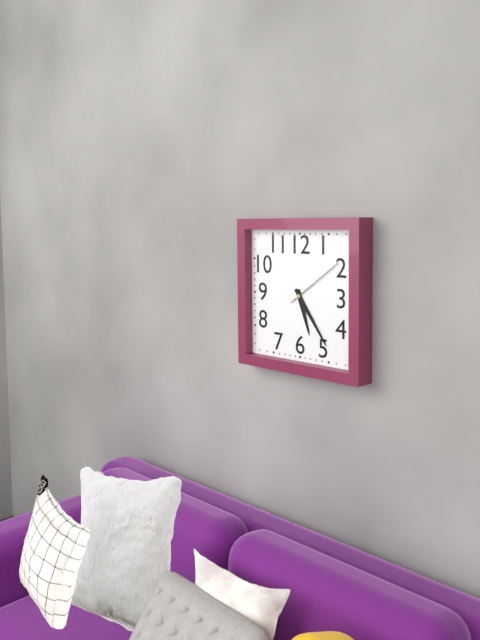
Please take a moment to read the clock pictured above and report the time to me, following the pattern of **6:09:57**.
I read **5:24:09**
